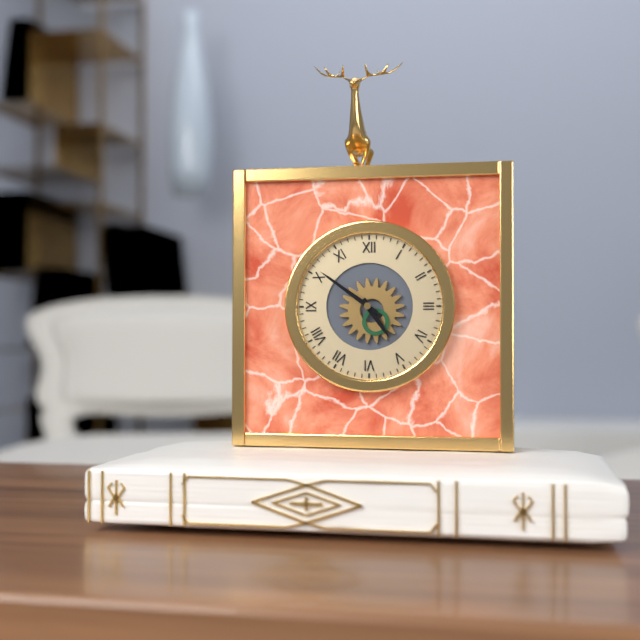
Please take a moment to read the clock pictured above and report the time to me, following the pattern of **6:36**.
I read **4:51**
